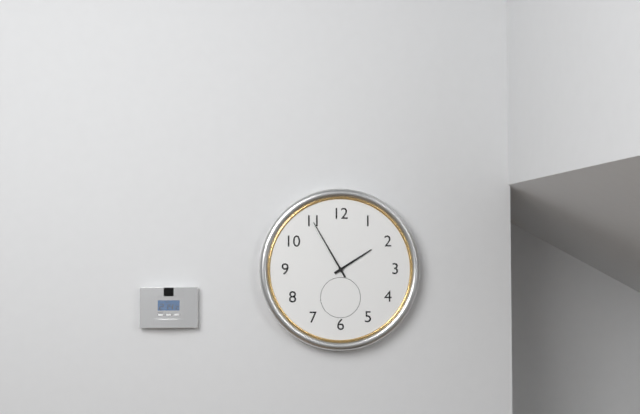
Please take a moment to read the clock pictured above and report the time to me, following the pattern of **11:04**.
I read **1:55**
